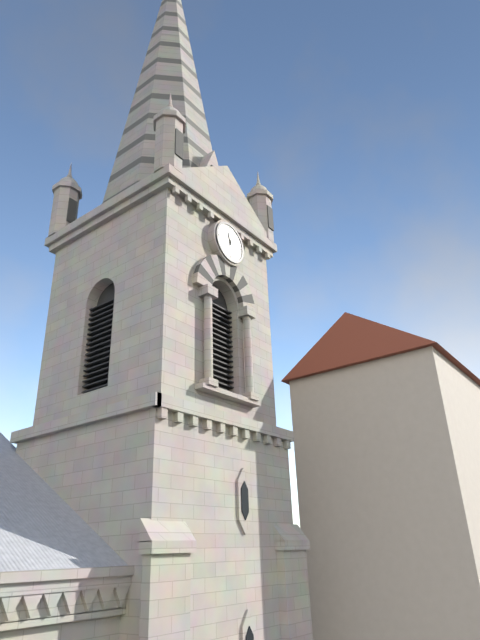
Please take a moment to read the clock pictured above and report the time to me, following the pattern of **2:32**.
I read **11:29**
